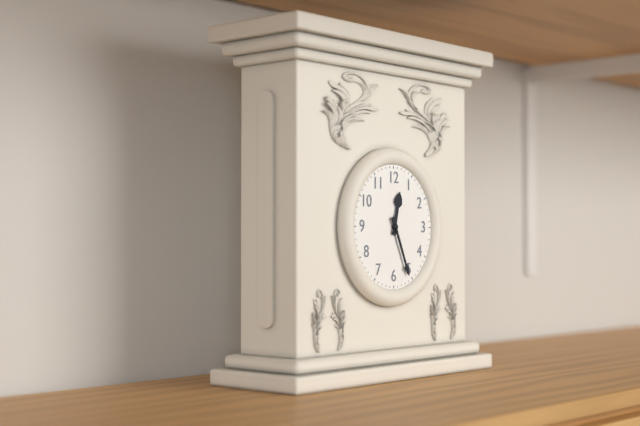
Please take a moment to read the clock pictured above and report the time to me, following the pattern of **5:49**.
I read **12:26**
